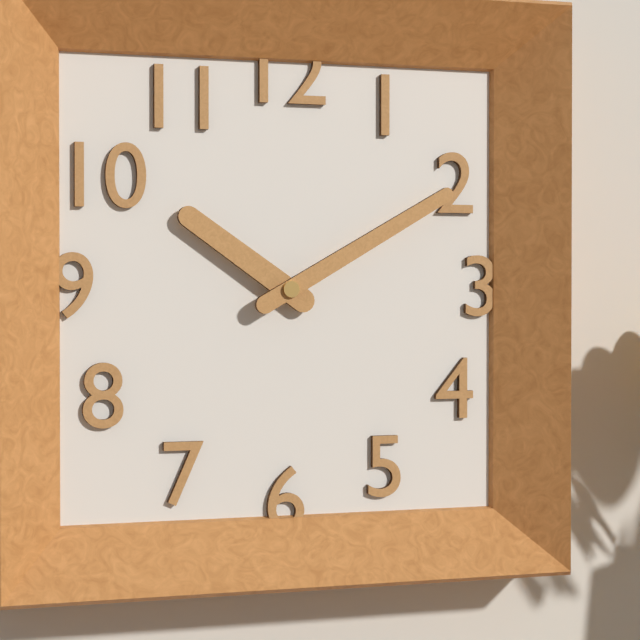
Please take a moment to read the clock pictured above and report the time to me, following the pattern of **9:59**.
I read **10:10**
